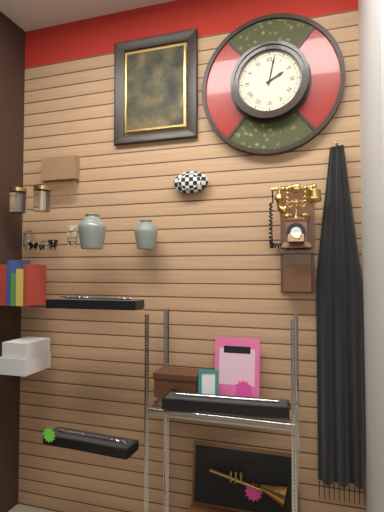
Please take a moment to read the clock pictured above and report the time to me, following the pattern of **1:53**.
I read **2:02**
